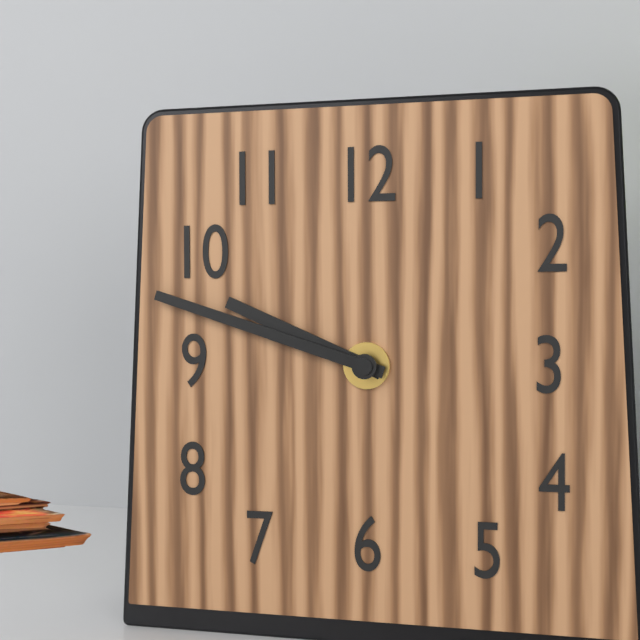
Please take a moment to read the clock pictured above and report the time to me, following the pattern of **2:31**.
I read **9:48**
